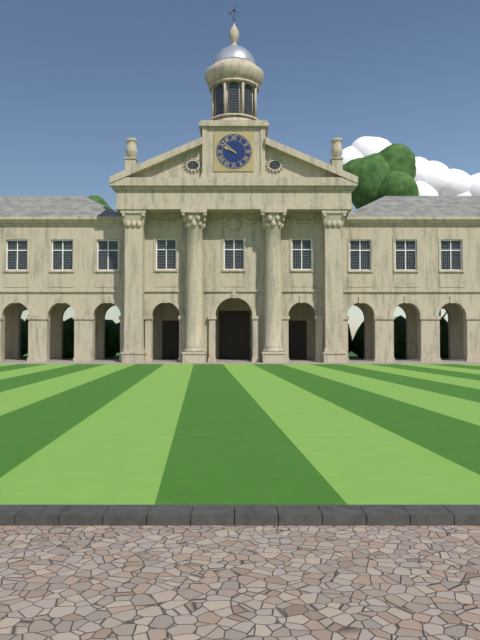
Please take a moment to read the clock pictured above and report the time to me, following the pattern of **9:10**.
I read **9:52**
